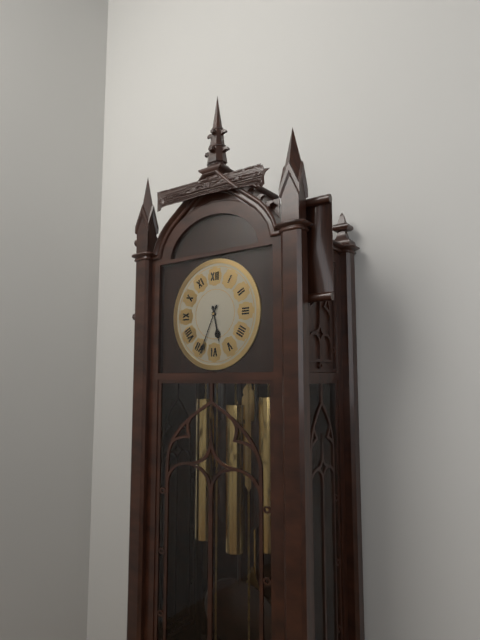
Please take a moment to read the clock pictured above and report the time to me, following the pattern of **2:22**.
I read **5:34**
